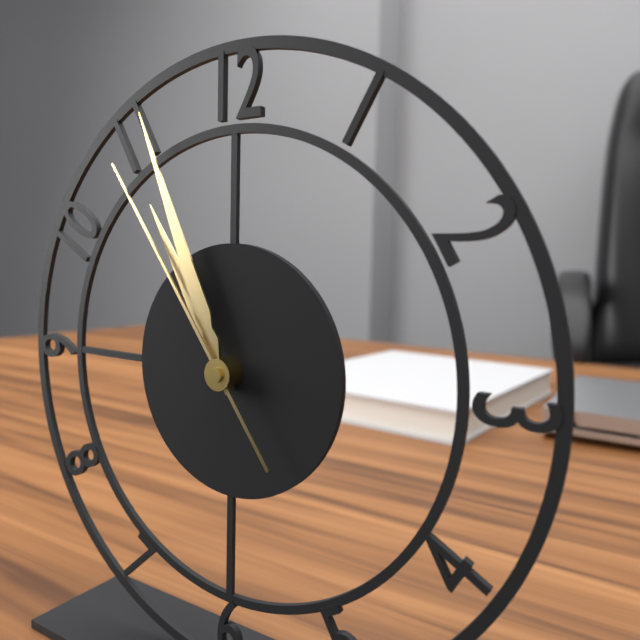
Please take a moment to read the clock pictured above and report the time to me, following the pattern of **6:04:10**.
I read **10:56:54**
